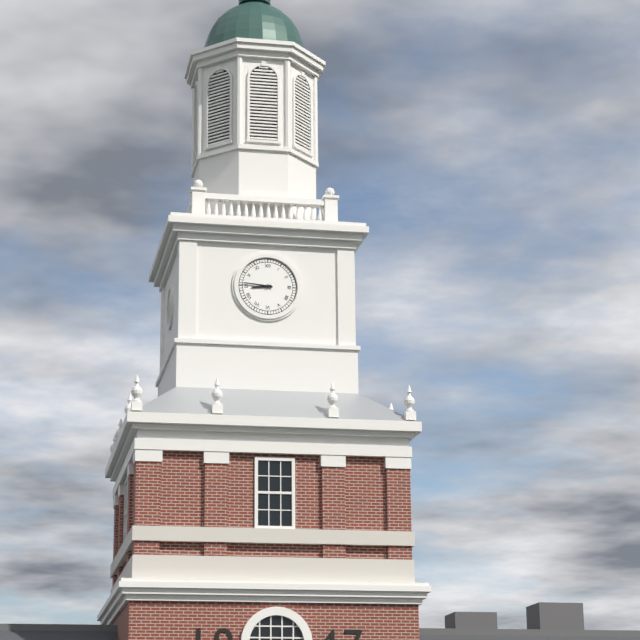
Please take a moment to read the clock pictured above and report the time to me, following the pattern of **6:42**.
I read **8:46**
